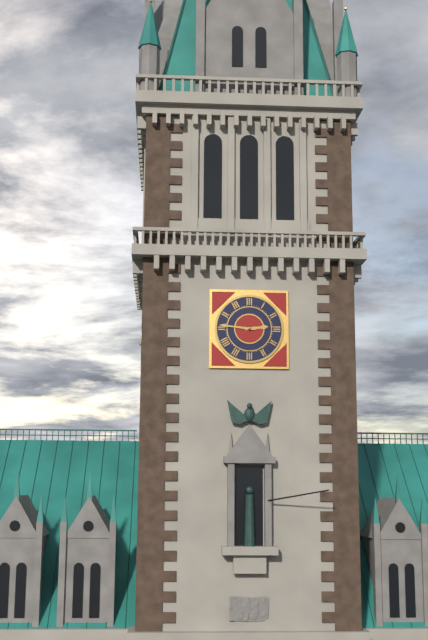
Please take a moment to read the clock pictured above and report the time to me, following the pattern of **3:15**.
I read **2:46**
